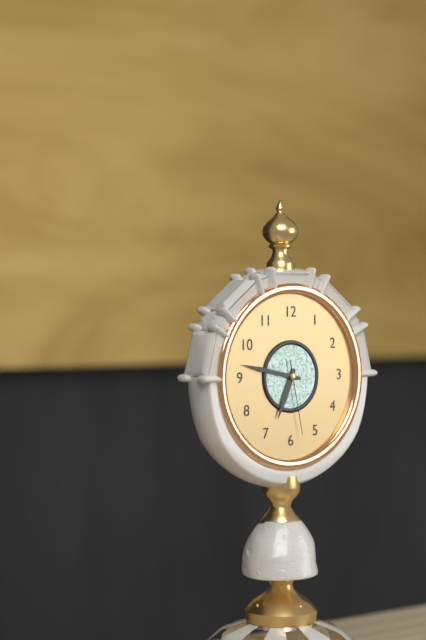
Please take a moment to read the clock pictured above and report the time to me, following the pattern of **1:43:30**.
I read **6:47:28**
